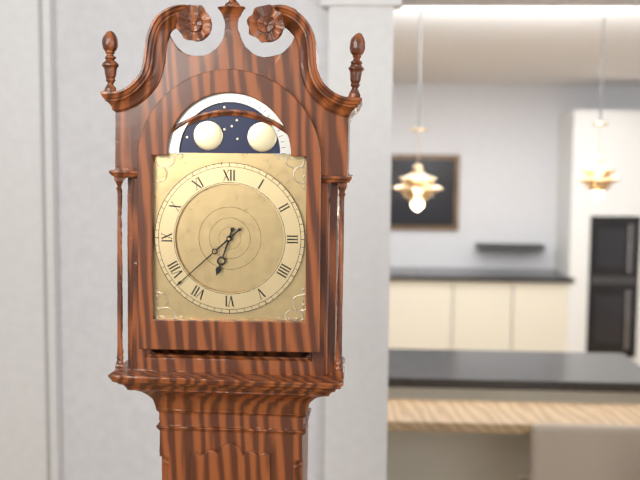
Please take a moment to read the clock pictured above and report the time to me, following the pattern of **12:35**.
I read **6:38**
